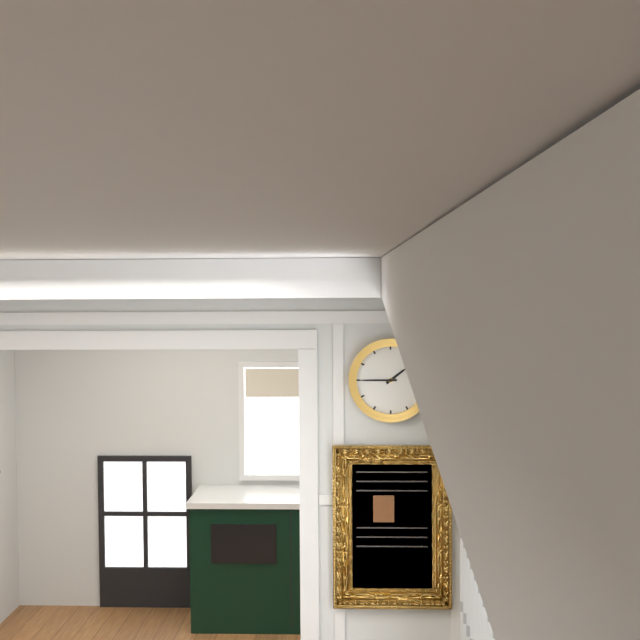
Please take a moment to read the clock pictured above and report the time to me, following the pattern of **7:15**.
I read **1:45**
